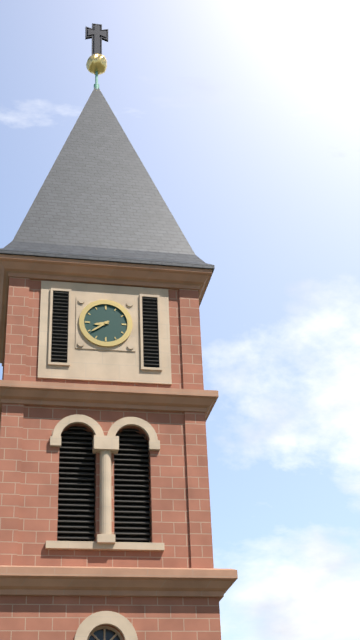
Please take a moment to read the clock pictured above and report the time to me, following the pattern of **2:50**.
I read **8:39**
